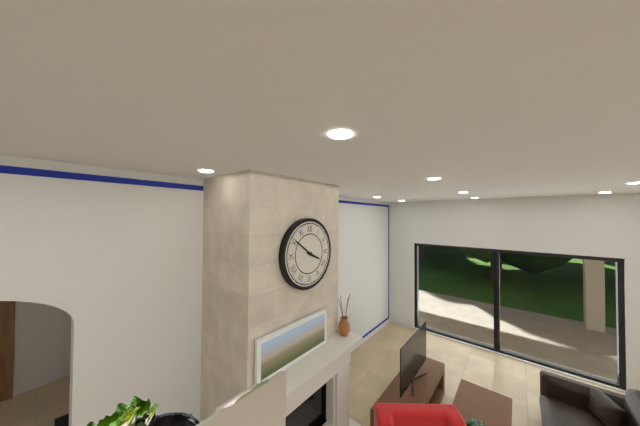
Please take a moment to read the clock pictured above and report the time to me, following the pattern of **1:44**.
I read **3:51**
